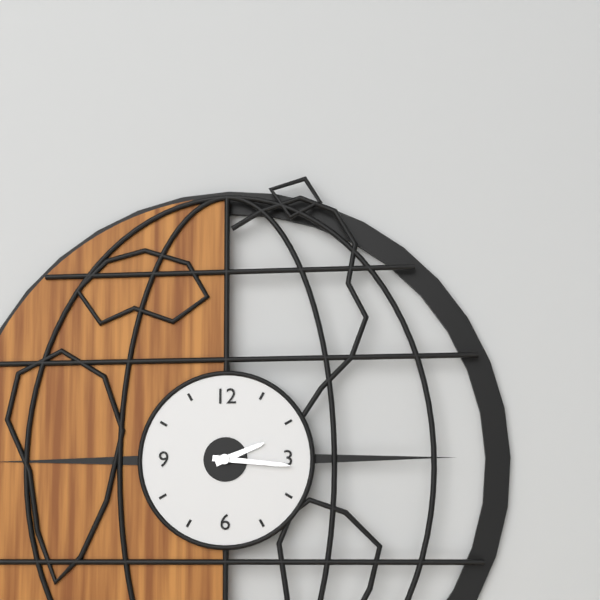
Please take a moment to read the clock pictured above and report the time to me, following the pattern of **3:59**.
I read **2:16**
